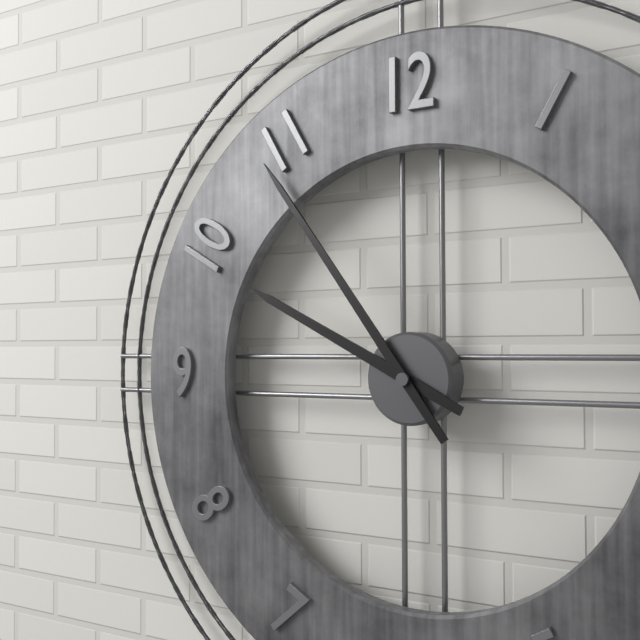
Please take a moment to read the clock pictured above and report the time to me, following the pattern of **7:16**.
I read **9:54**
